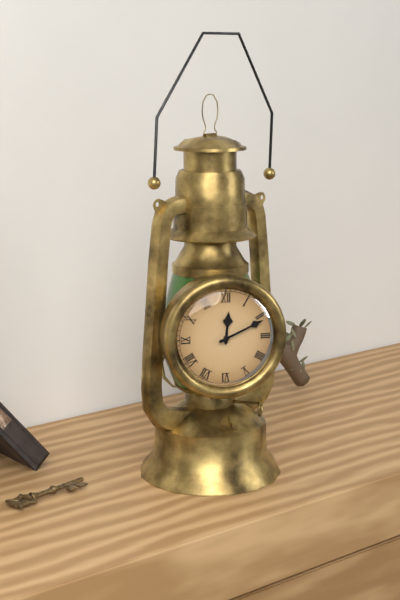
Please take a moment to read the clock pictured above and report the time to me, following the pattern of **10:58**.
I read **12:11**
